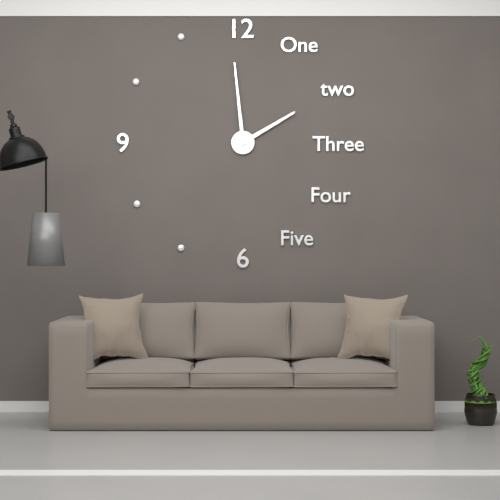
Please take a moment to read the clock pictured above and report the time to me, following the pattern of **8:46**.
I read **1:59**
